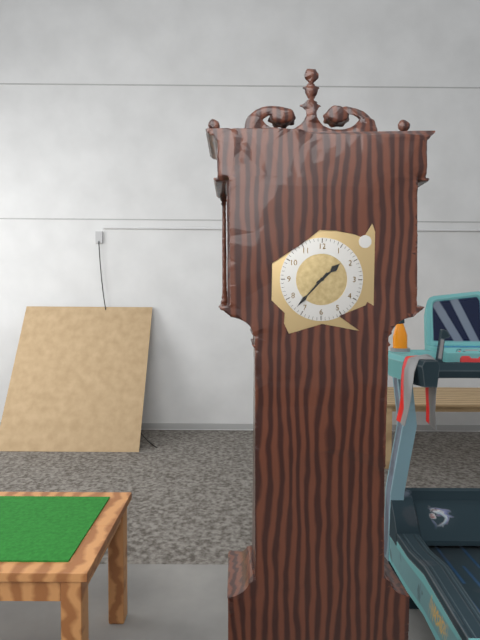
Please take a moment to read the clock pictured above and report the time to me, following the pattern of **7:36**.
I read **1:37**
